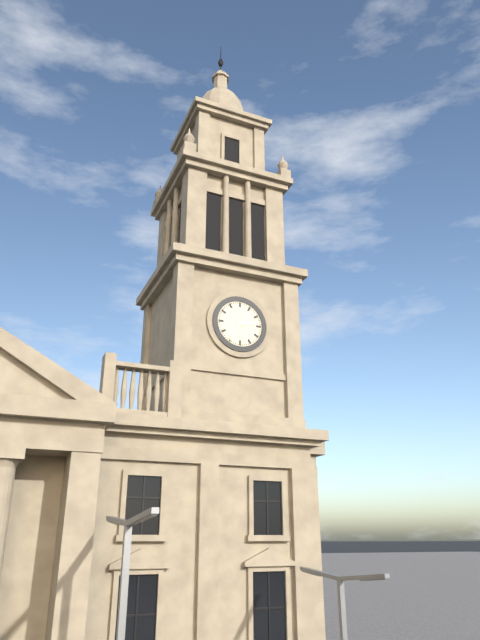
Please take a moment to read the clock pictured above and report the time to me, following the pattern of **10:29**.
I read **2:35**
